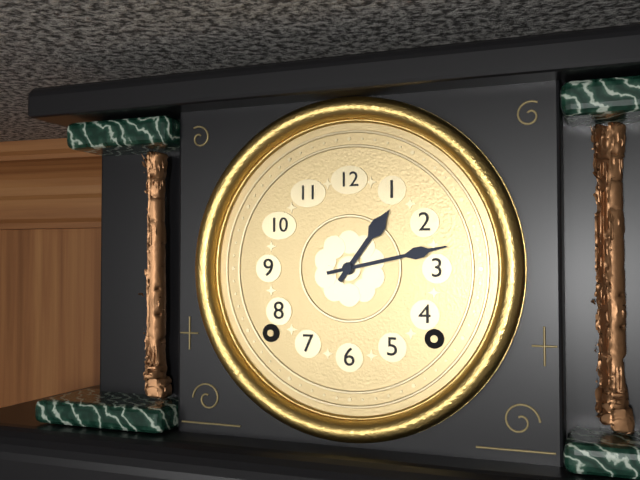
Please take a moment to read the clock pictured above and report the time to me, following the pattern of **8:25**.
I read **1:13**
